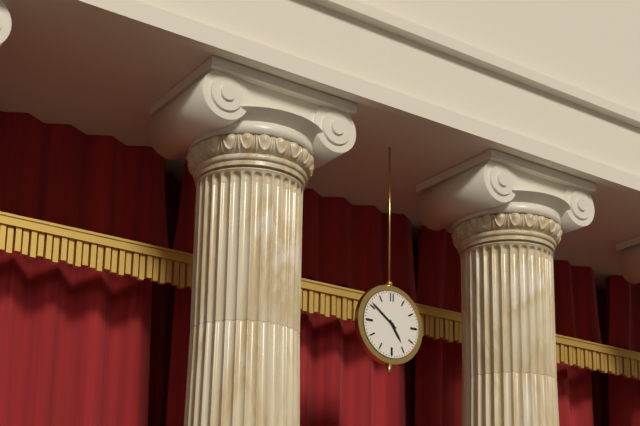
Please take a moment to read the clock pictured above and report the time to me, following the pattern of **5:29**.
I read **4:51**
